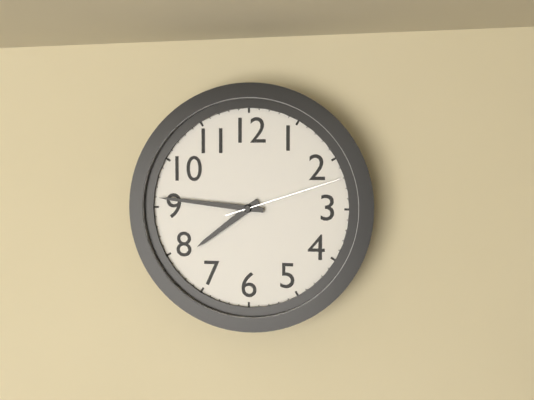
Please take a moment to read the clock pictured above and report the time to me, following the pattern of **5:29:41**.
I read **7:46:12**
